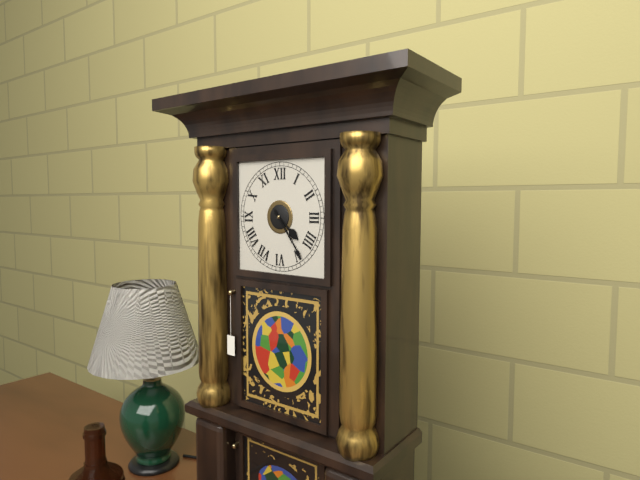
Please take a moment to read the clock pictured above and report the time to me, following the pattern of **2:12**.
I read **4:24**
